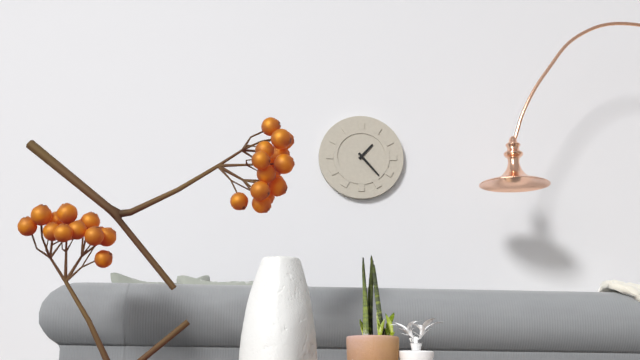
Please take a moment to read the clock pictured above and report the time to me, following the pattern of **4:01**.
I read **1:23**
